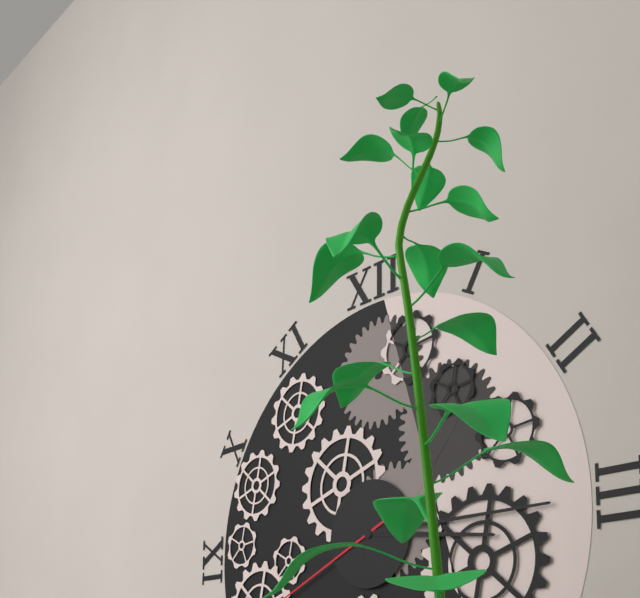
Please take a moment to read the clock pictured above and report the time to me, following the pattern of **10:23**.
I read **3:15**
